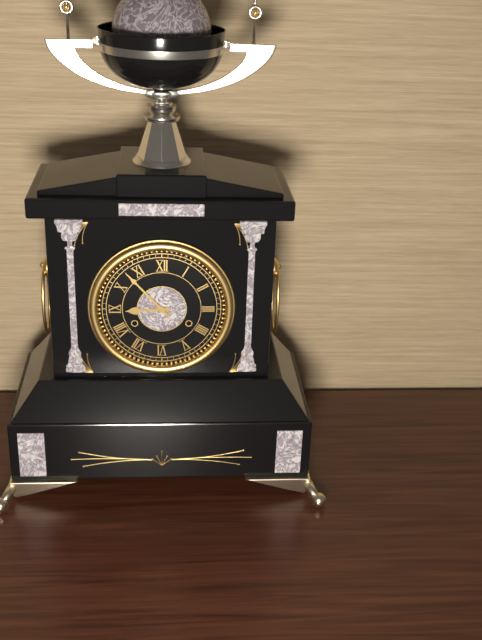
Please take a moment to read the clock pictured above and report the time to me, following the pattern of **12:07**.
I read **8:53**
